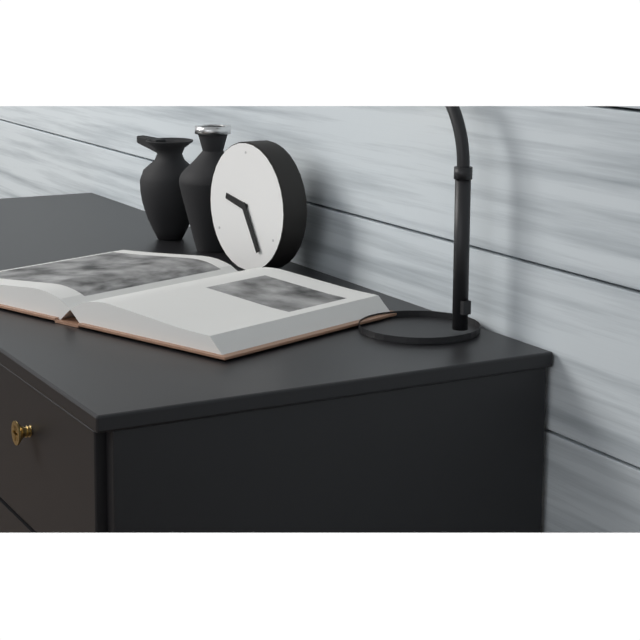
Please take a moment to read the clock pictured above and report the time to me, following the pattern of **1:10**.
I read **9:25**
